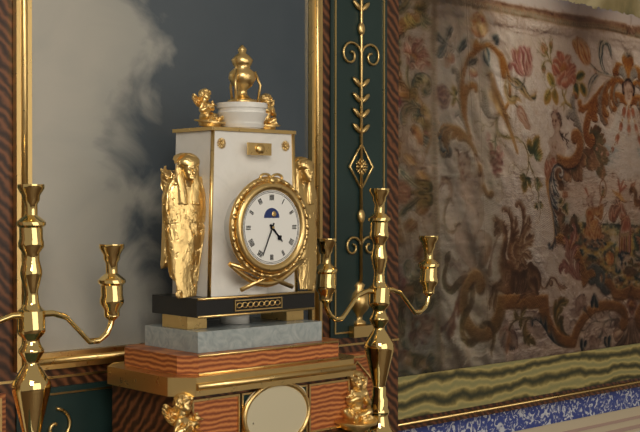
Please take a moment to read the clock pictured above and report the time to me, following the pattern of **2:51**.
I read **4:34**
